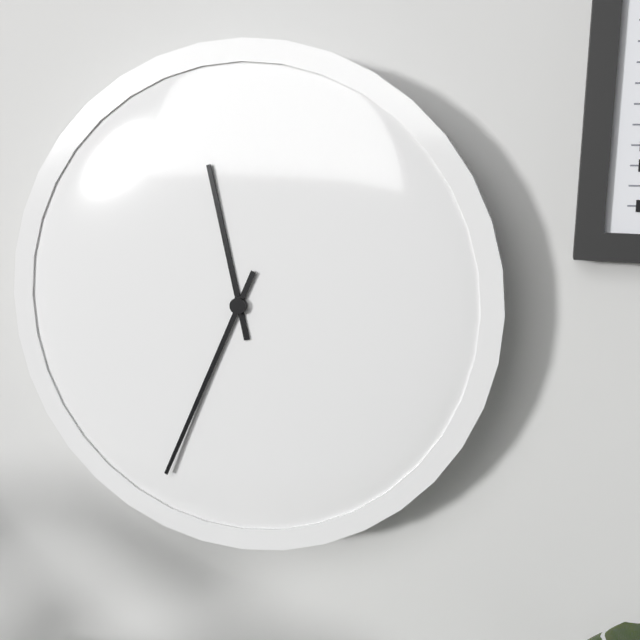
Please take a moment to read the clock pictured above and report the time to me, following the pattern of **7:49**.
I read **11:34**
